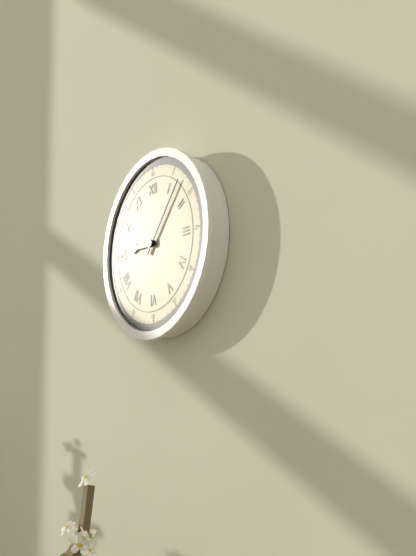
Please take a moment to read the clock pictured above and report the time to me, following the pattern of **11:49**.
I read **9:07**
